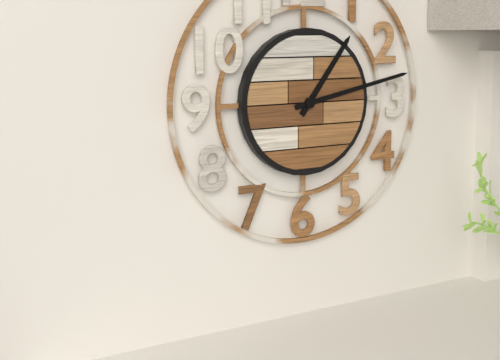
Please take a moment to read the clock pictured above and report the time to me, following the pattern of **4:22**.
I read **1:13**
